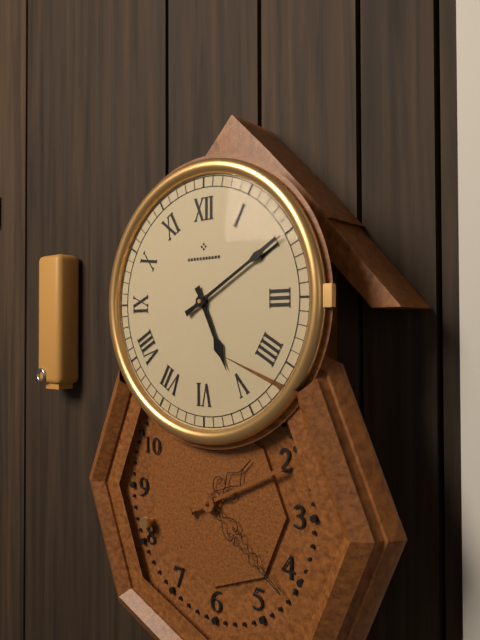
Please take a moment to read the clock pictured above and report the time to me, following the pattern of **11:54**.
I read **5:10**
